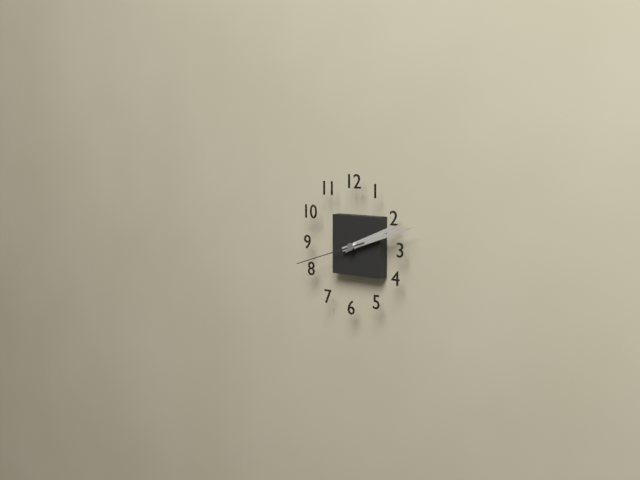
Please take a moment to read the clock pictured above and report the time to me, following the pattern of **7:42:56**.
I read **2:12:42**
